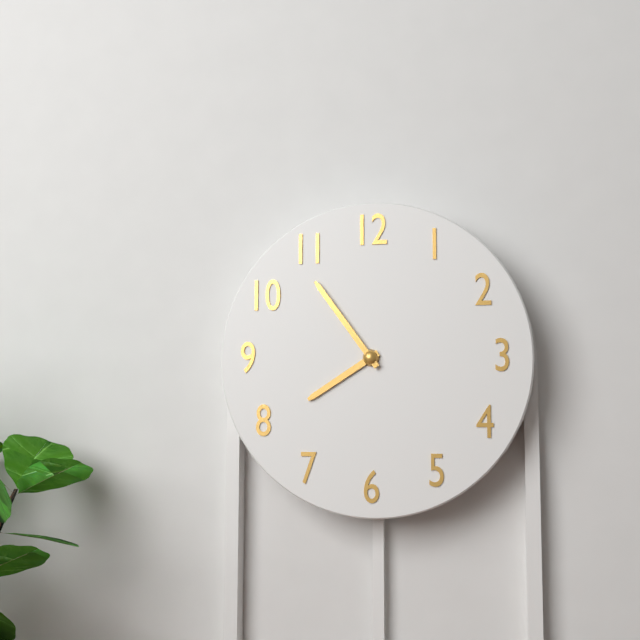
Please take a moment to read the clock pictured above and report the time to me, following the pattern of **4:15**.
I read **7:54**
